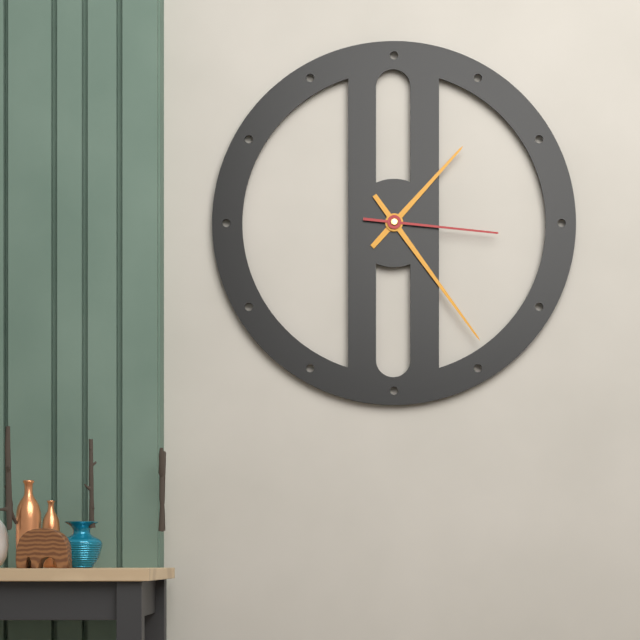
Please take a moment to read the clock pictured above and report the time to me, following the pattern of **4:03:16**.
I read **1:24:16**
